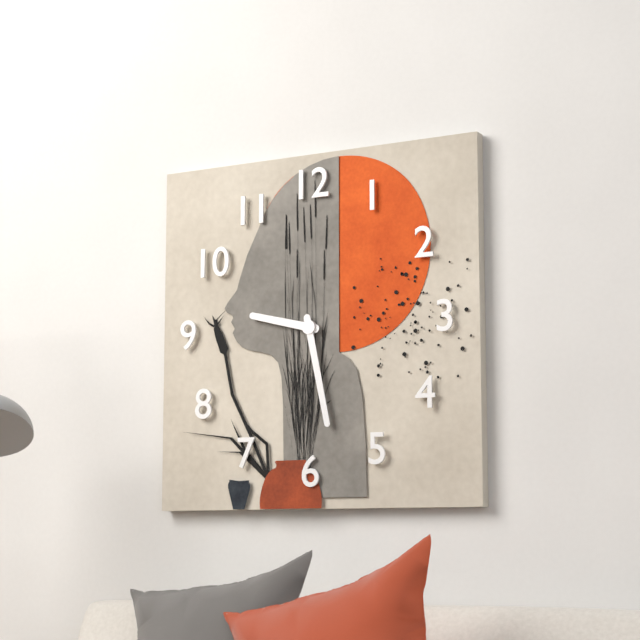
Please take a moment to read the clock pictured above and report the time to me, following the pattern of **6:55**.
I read **9:28**
